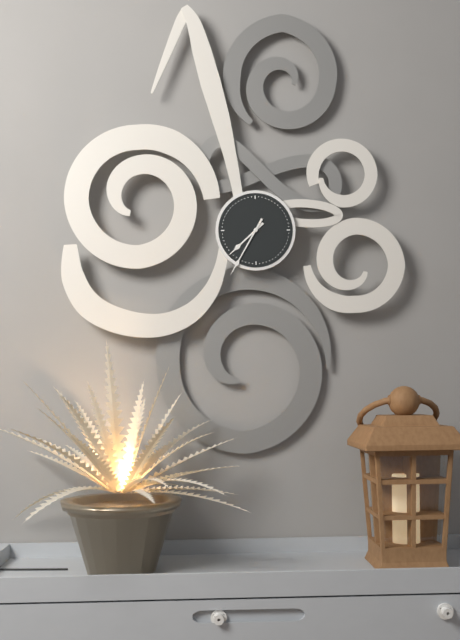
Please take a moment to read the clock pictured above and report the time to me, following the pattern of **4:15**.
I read **7:35**
